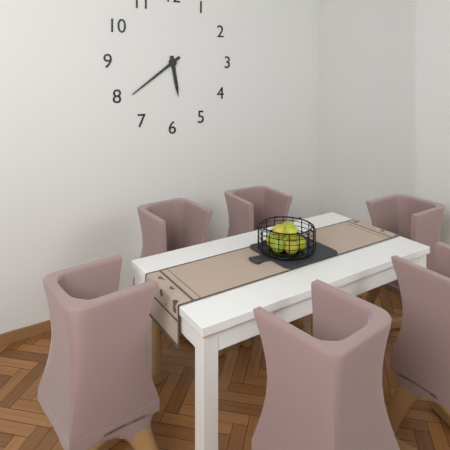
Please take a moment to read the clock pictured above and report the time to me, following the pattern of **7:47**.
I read **5:39**
